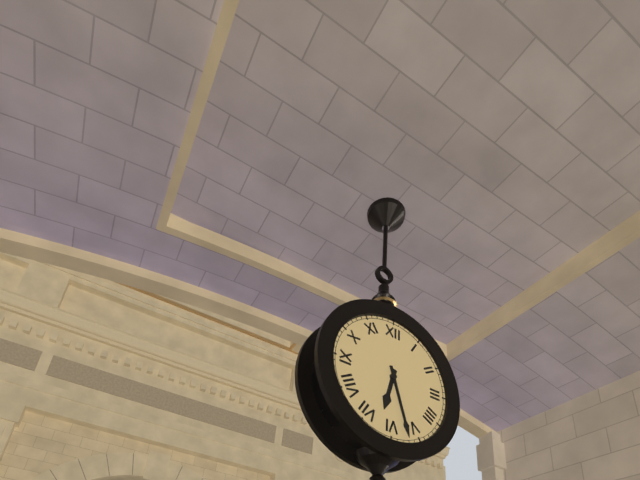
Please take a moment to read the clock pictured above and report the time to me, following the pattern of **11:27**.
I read **6:27**
